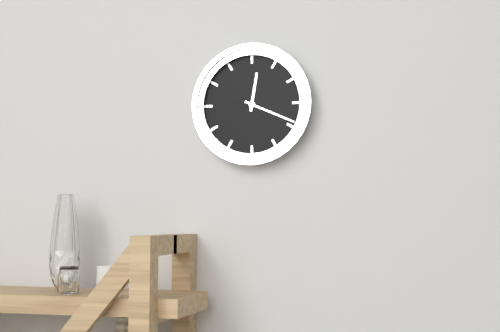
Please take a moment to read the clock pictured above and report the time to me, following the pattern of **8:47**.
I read **12:19**
